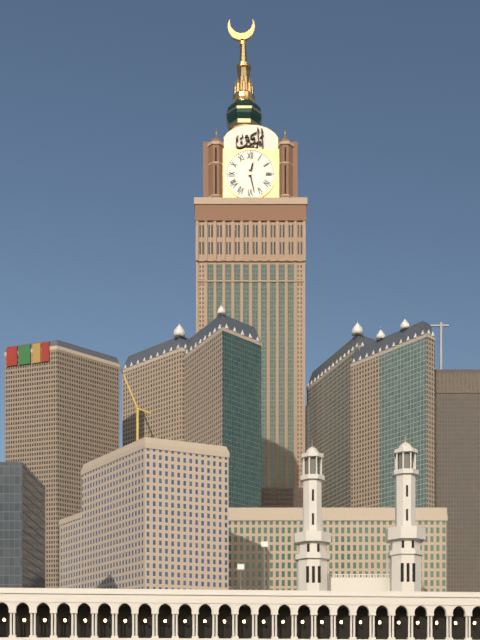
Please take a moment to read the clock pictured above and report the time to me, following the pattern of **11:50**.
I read **12:28**
